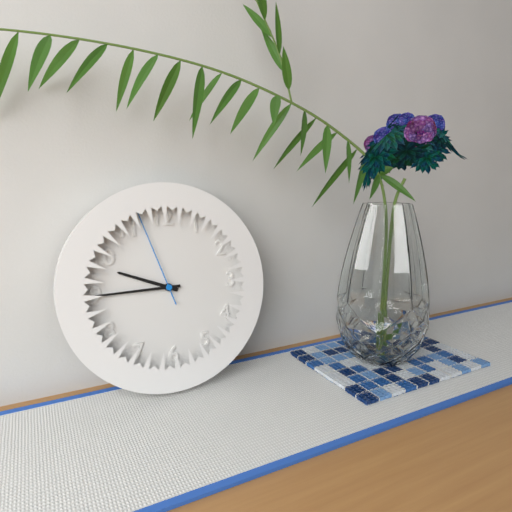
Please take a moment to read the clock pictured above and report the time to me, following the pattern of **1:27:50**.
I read **9:45:57**
